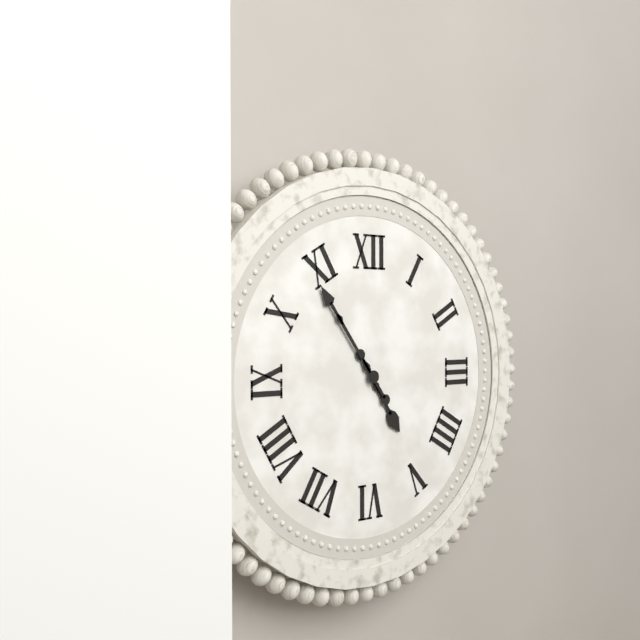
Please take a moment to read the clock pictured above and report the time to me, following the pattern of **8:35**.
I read **4:54**
